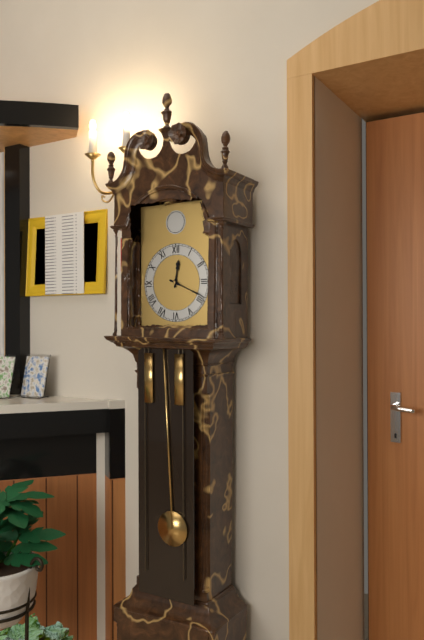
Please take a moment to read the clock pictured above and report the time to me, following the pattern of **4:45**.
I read **12:19**
